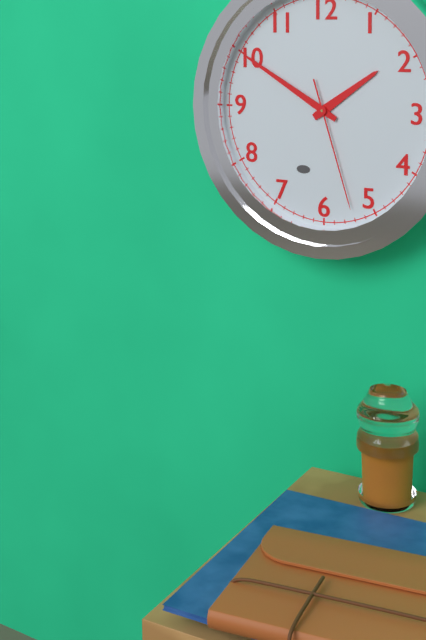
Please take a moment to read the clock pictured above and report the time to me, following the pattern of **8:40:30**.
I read **1:50:27**
